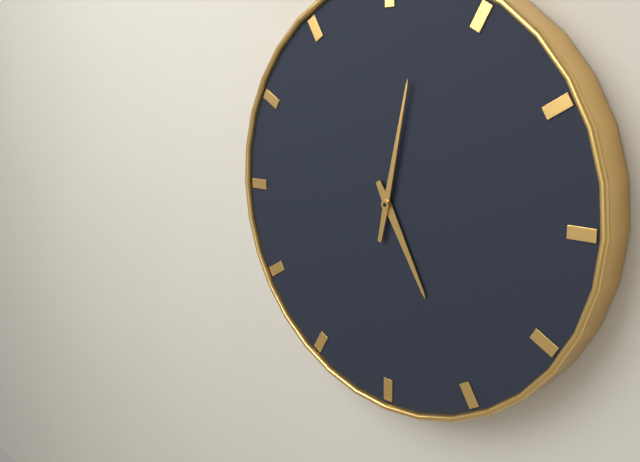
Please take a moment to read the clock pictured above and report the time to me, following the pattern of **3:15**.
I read **5:02**
